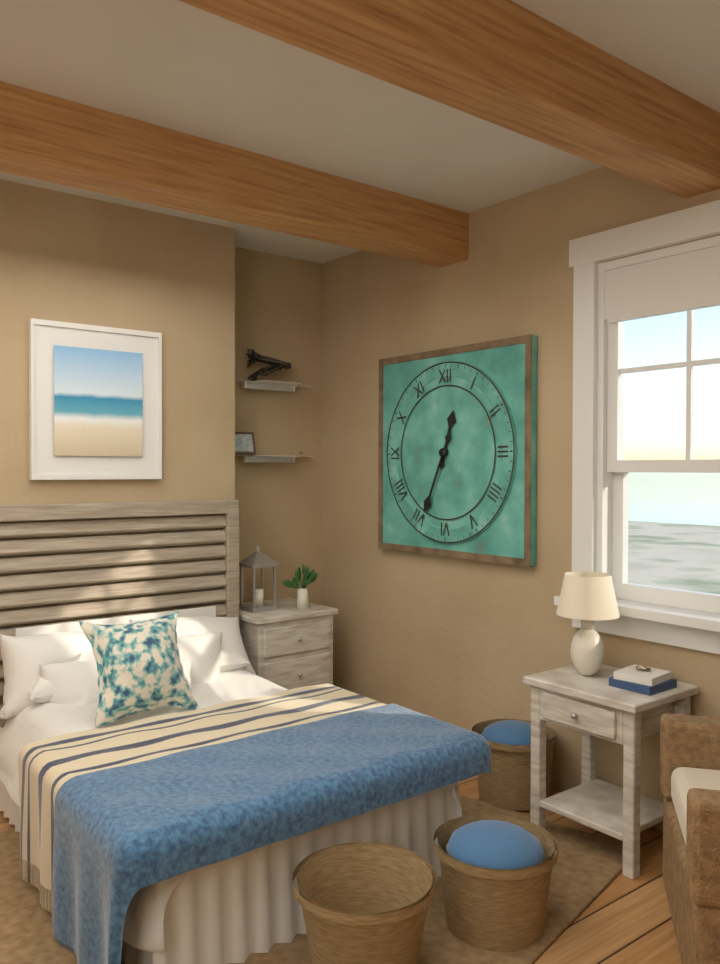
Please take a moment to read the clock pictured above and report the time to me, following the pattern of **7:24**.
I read **12:34**
